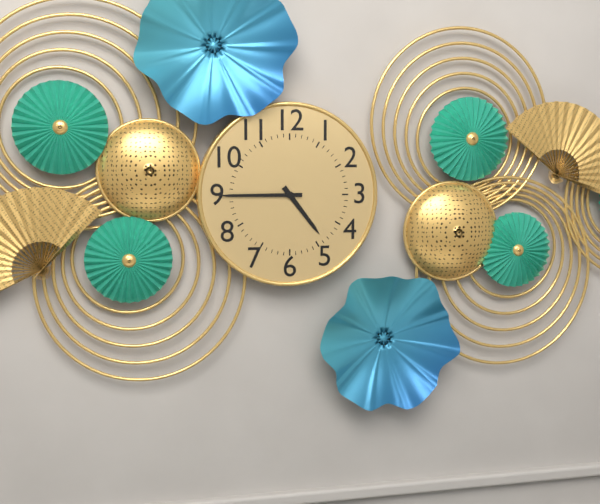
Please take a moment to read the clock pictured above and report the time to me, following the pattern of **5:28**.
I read **4:45**
